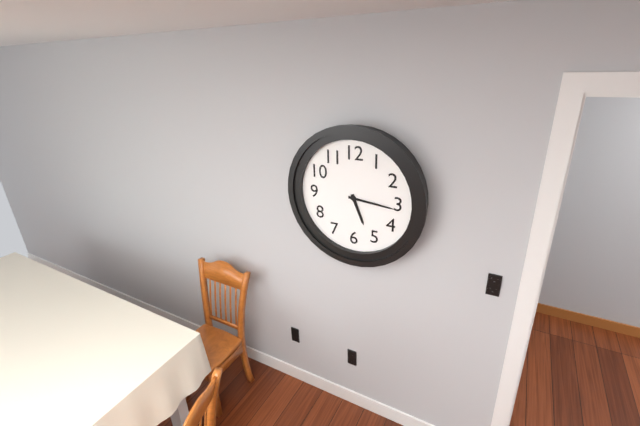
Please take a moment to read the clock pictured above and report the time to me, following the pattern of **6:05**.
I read **5:16**
